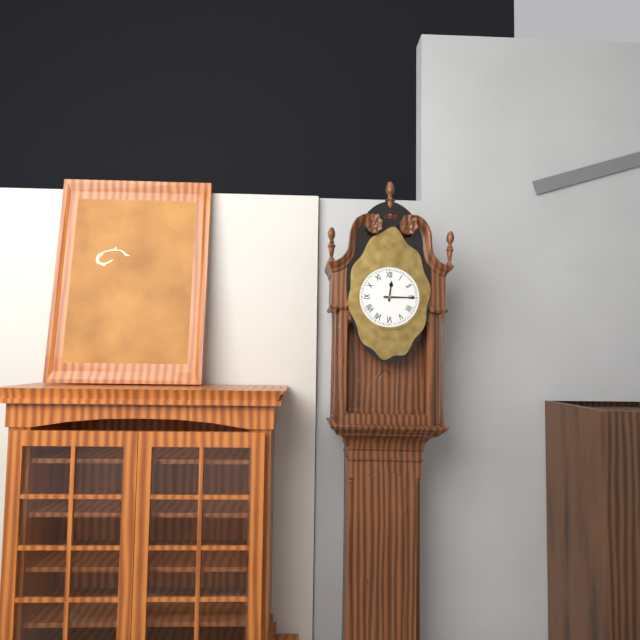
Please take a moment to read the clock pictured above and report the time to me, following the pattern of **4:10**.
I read **12:15**
